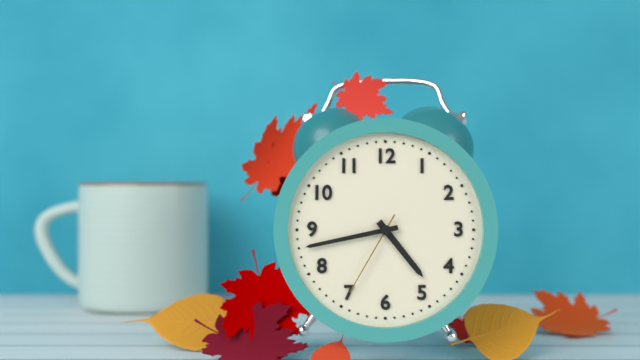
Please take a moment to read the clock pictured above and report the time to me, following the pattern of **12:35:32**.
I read **4:43:35**
